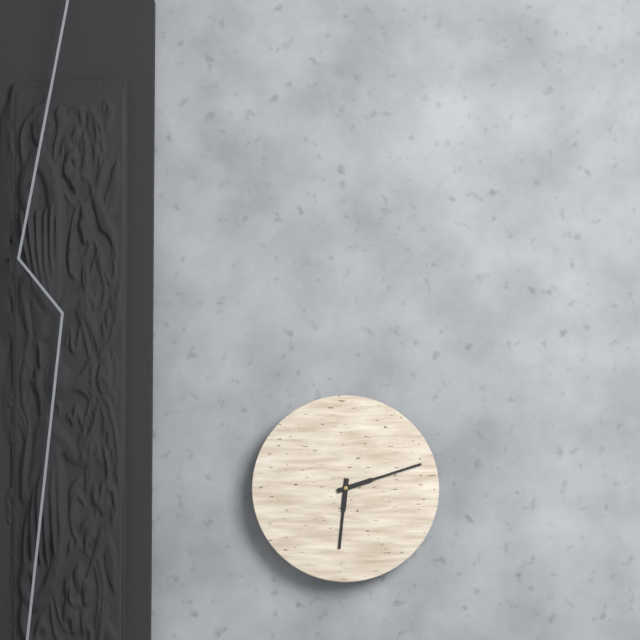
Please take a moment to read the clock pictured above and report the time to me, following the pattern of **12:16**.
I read **6:12**
